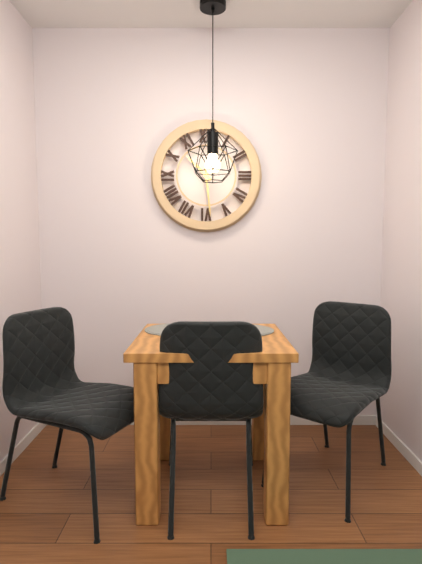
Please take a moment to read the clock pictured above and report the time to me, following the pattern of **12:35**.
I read **10:29**
